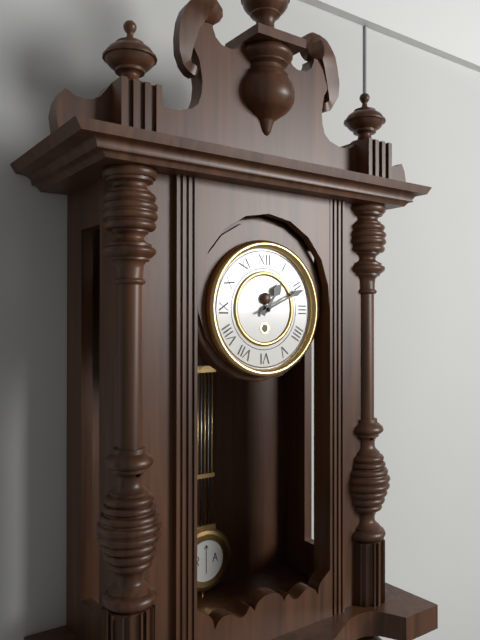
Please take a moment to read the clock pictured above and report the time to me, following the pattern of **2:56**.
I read **1:11**
